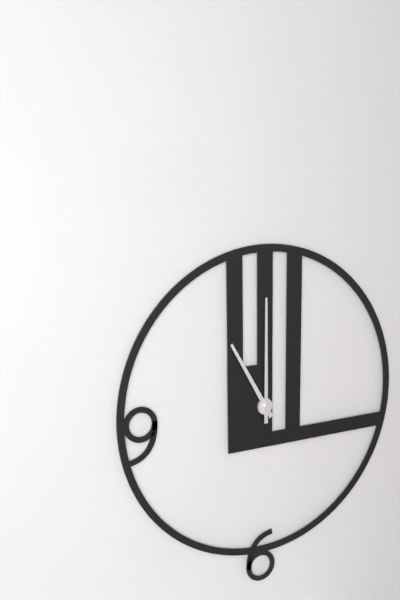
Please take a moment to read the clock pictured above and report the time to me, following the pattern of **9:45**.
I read **11:00**
